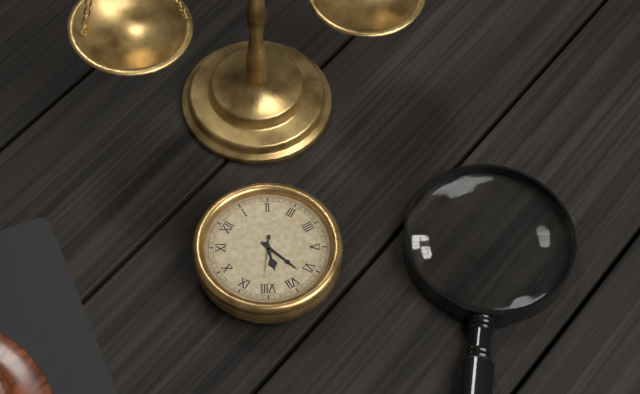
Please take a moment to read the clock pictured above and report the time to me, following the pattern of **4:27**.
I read **7:32**
